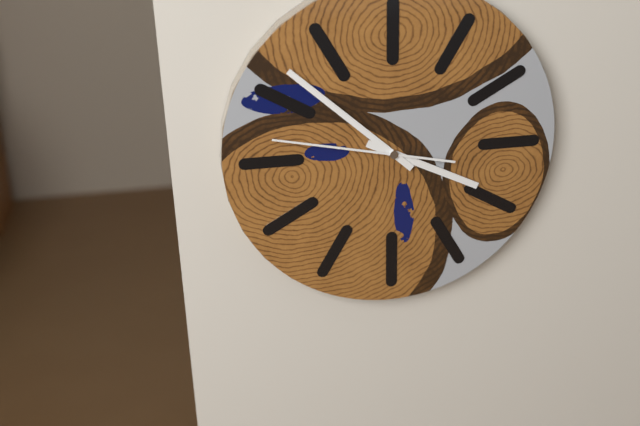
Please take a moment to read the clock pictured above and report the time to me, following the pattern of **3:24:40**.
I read **3:52:47**
